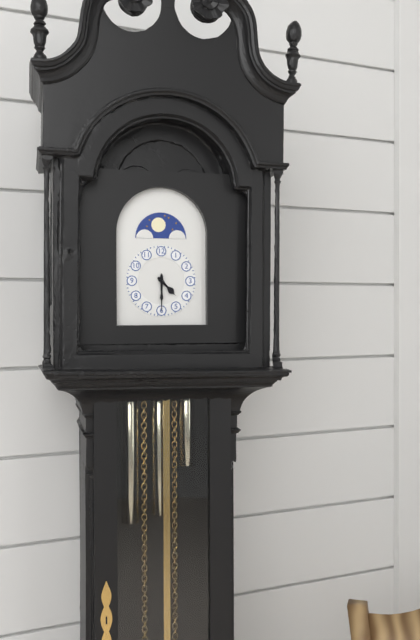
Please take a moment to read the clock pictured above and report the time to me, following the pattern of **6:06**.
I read **4:30**
